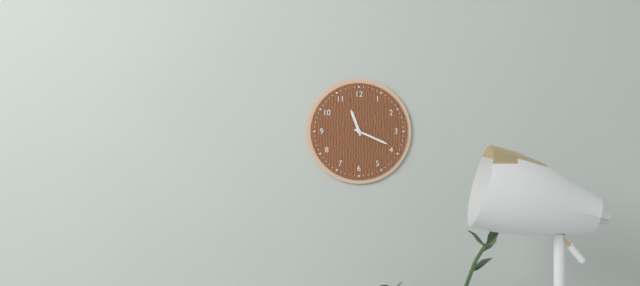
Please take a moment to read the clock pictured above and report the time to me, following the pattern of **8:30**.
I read **11:19**
